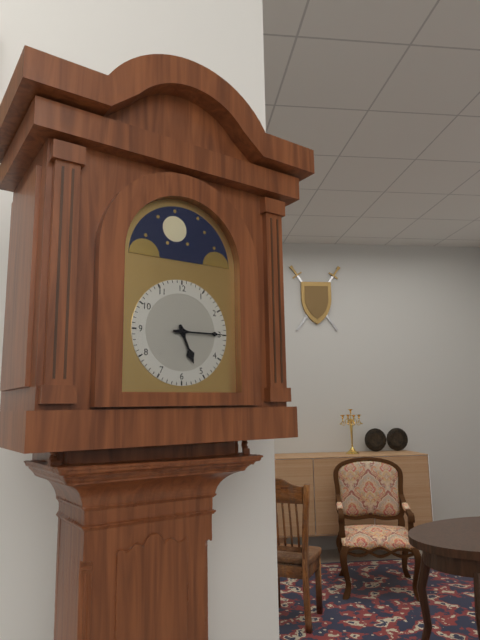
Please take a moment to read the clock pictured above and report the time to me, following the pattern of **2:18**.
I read **5:15**
